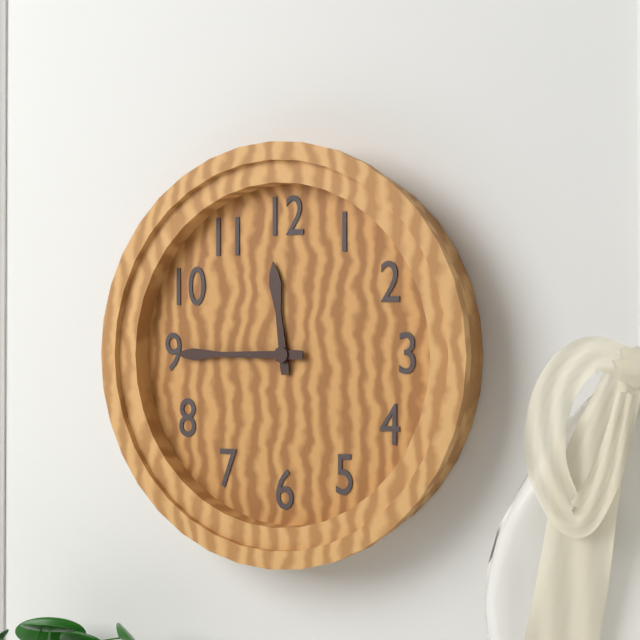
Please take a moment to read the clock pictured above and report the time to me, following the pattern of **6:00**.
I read **11:45**
